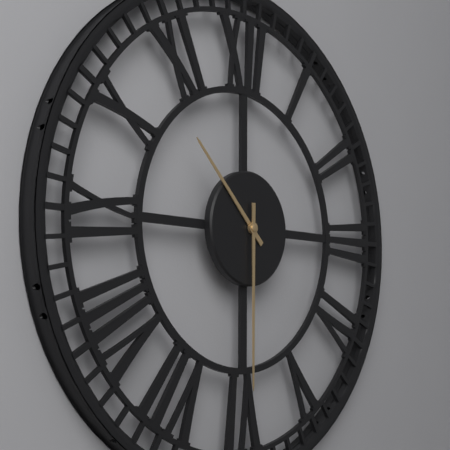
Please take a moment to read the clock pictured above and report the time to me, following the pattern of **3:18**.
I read **10:30**
